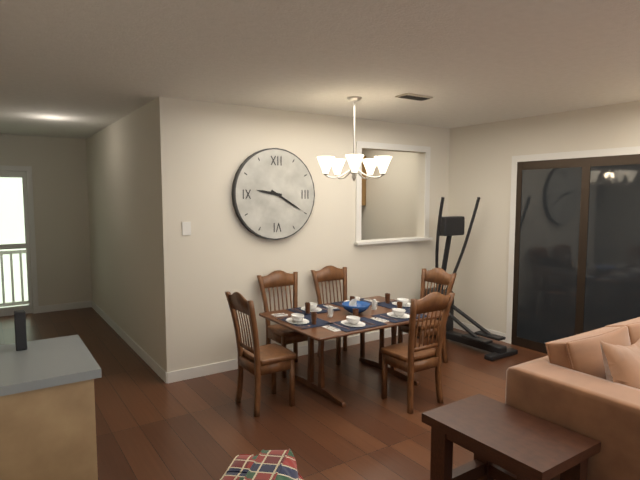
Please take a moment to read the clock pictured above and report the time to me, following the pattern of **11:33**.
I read **9:20**
